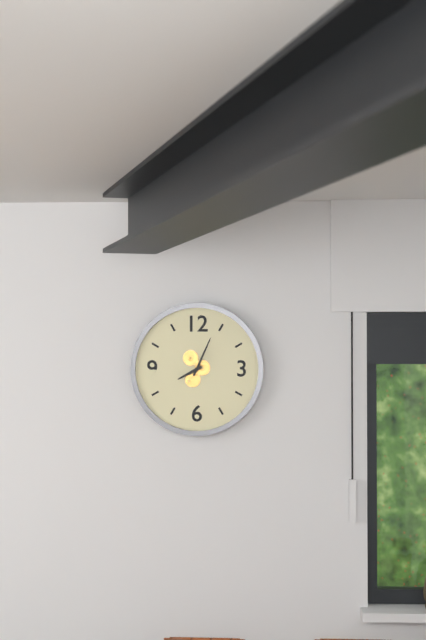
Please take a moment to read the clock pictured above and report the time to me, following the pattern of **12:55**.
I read **8:04**
